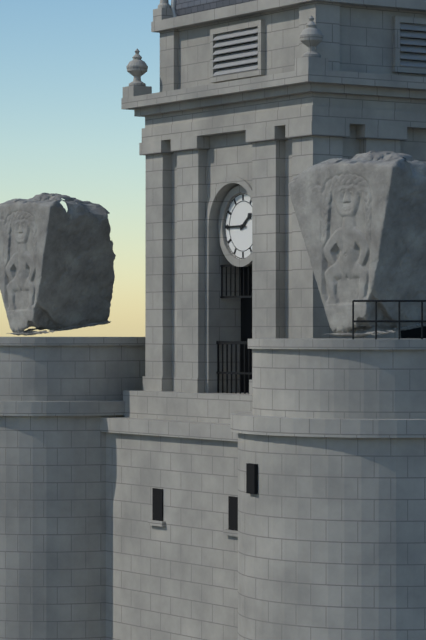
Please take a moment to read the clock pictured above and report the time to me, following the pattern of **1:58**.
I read **1:45**
